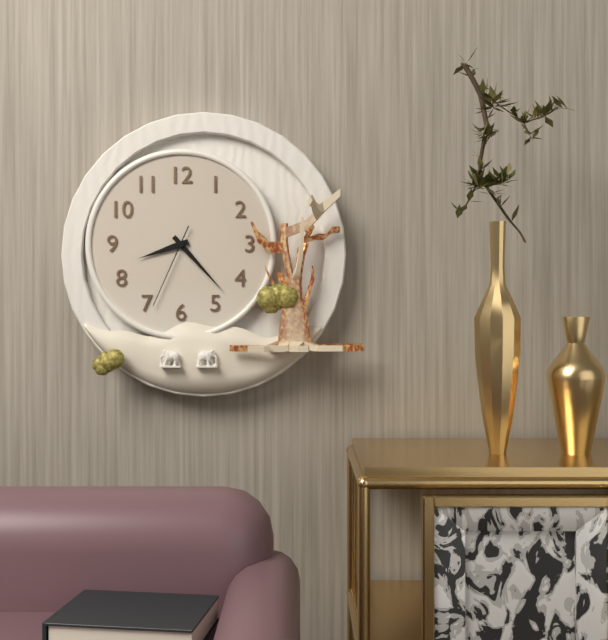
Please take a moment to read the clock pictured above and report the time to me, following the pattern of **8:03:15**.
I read **8:23:34**
